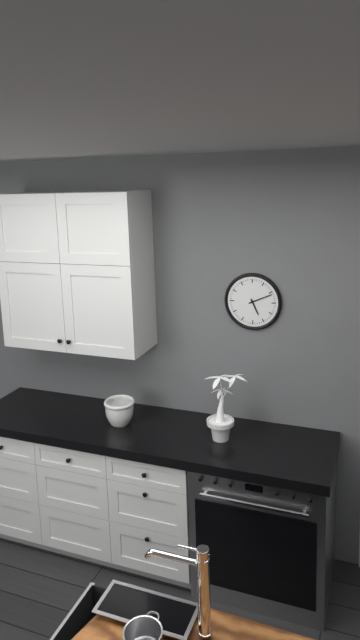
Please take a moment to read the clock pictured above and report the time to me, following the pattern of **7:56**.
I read **5:11**
